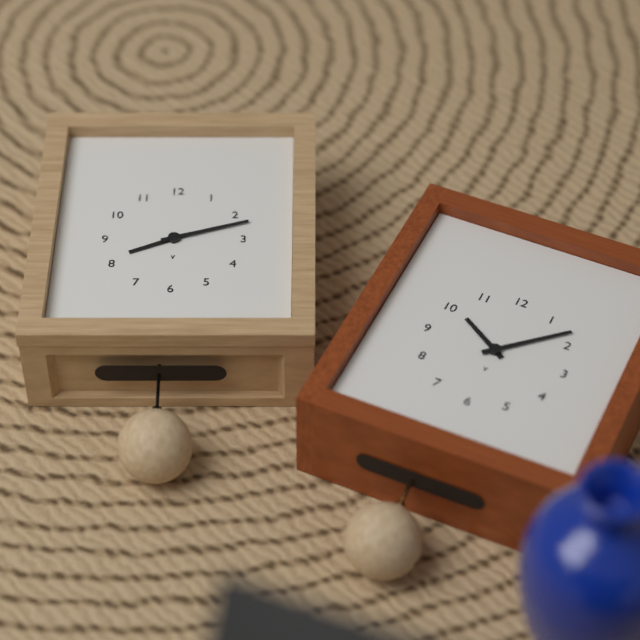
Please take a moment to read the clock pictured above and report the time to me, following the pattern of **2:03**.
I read **8:12**
